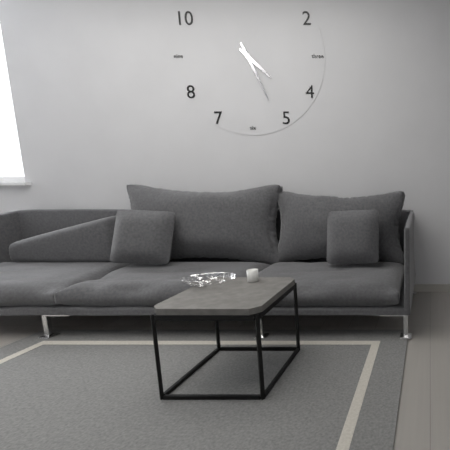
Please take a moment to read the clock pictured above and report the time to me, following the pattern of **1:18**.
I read **4:26**
